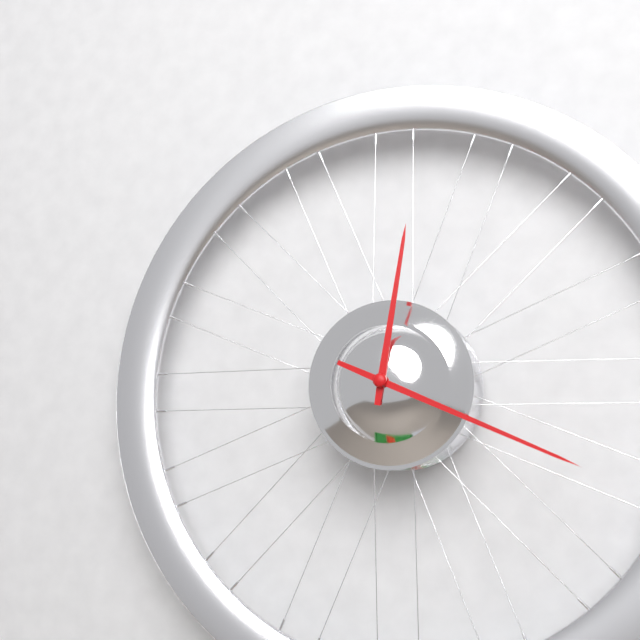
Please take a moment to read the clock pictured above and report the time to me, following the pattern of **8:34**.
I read **12:19**
